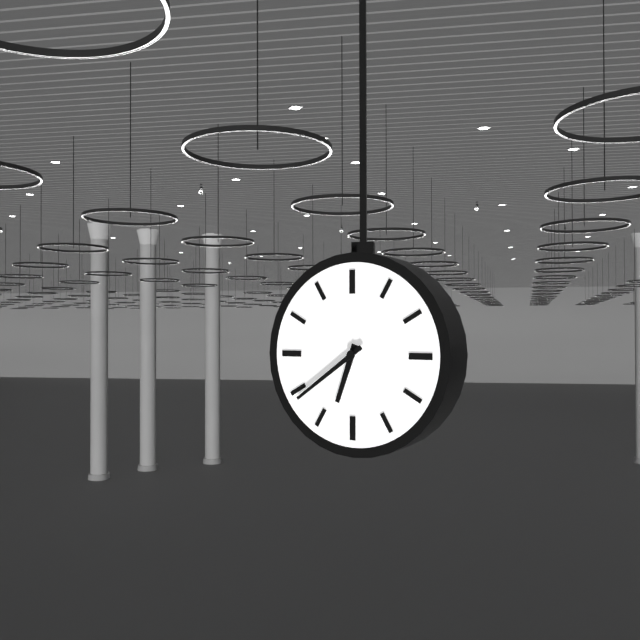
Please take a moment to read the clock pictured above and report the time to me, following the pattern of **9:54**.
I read **6:39**
